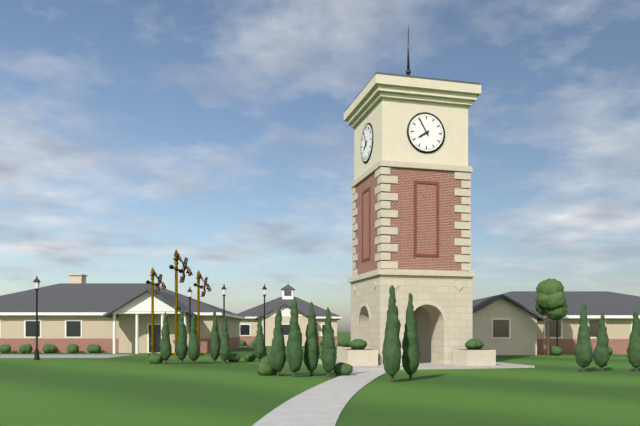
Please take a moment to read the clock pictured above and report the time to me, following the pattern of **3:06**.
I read **7:55**
